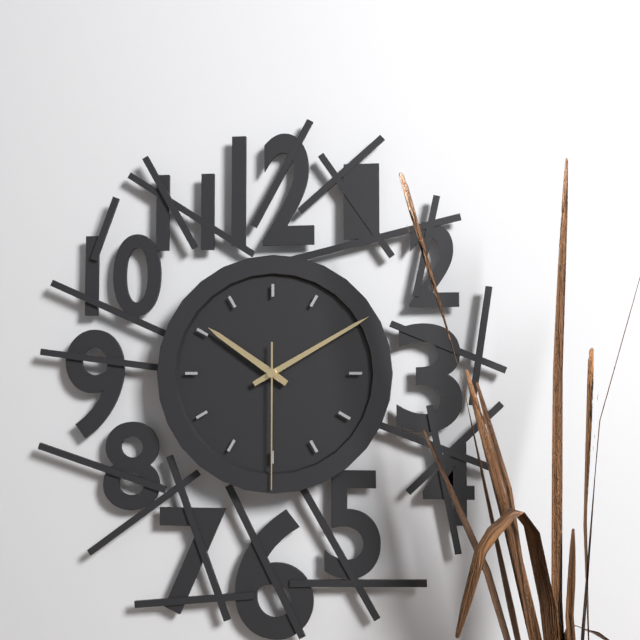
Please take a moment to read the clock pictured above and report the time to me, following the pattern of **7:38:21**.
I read **10:10:30**
